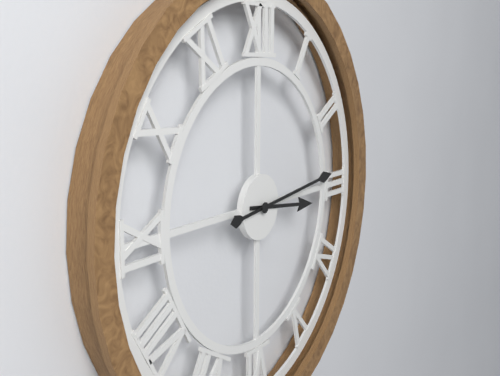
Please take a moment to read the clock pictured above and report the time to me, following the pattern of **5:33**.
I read **3:14**
